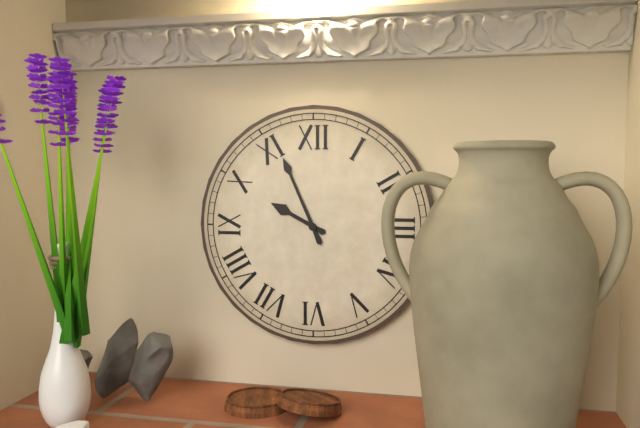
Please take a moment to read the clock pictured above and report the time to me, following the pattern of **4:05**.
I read **9:56**
